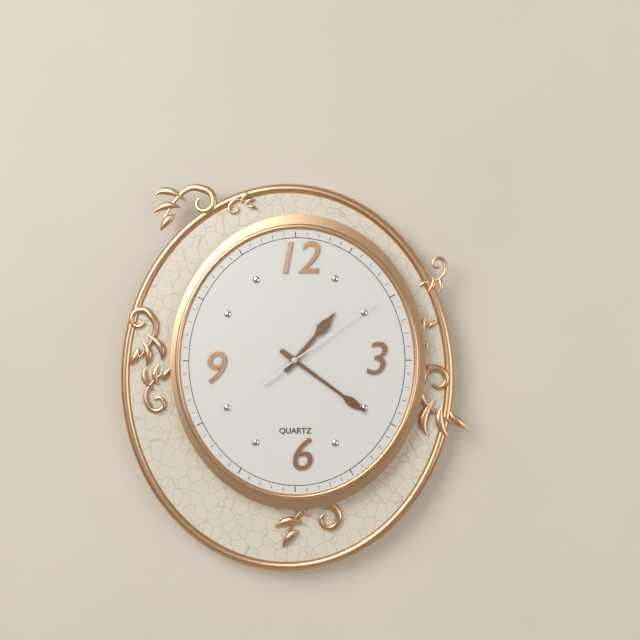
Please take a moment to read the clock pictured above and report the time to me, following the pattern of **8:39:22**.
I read **1:21:09**
